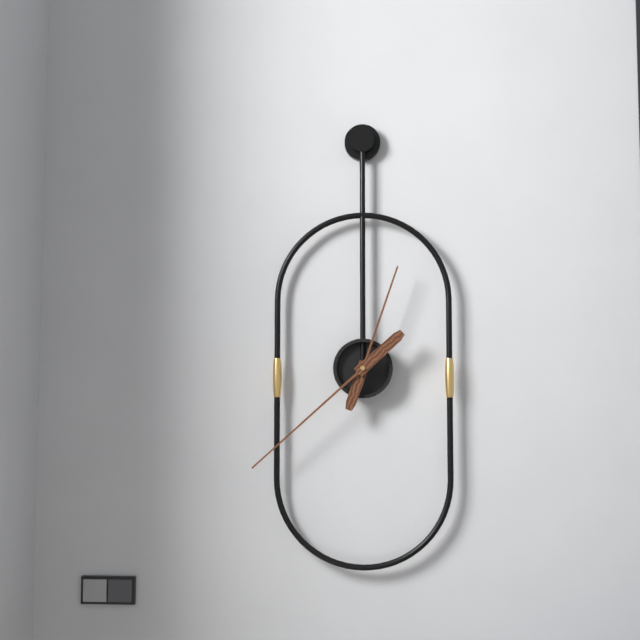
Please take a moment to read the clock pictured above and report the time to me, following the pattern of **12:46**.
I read **12:38**
